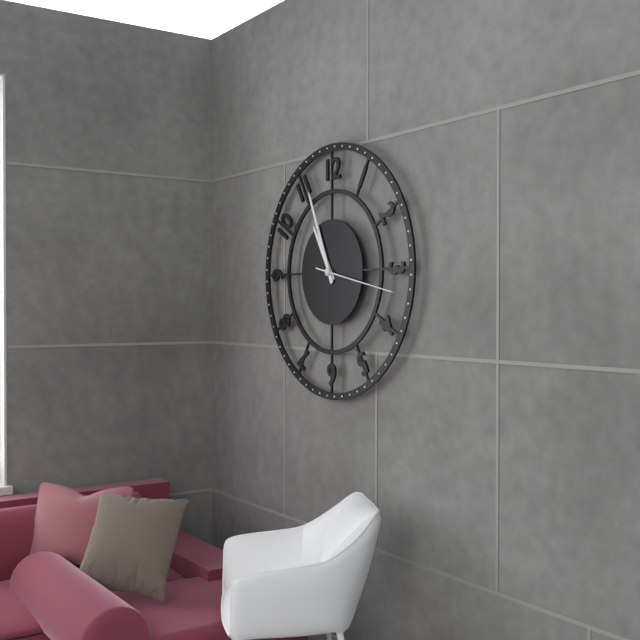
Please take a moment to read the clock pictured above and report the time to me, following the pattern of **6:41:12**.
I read **10:56:17**
